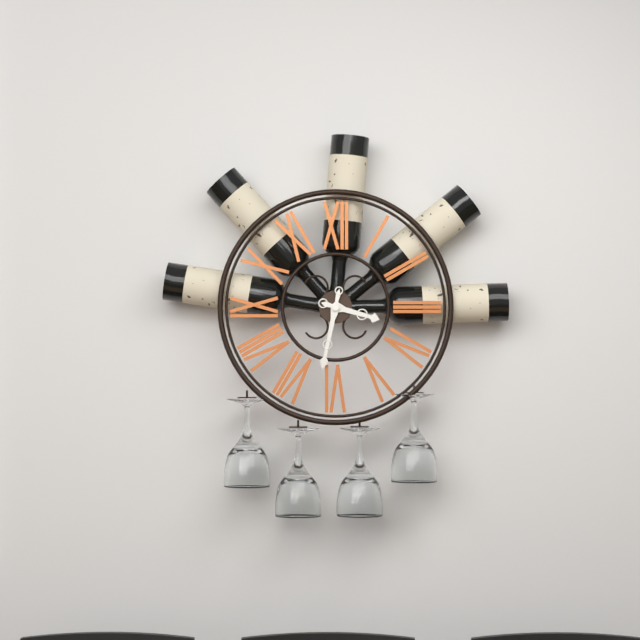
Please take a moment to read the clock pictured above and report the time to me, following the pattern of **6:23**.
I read **3:32**
